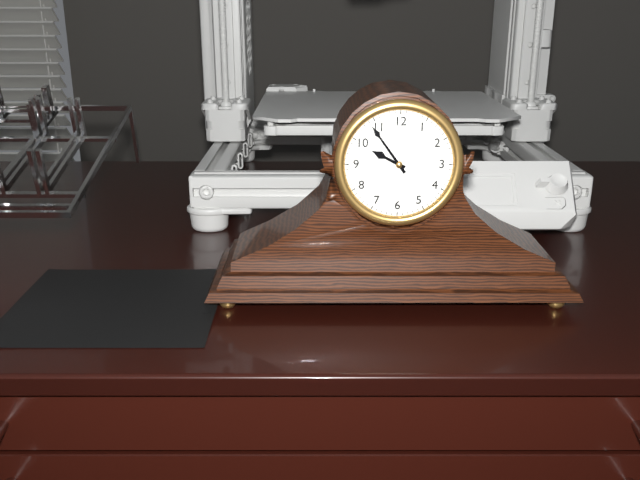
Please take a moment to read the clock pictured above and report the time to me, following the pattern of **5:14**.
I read **9:54**
